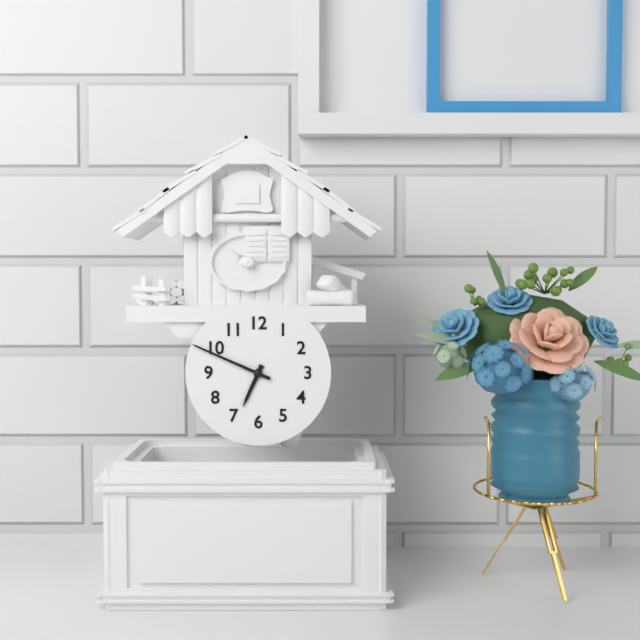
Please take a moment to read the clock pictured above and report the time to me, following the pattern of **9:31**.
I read **6:49**
